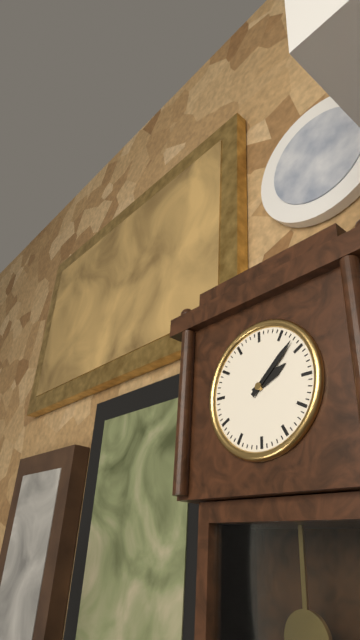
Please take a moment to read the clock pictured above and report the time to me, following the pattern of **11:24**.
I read **2:08**
